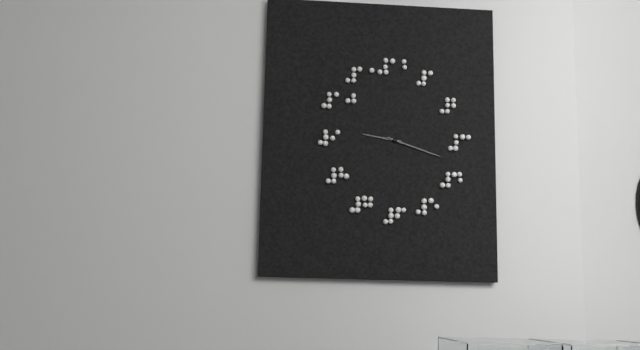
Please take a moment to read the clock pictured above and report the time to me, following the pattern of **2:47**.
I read **9:18**
